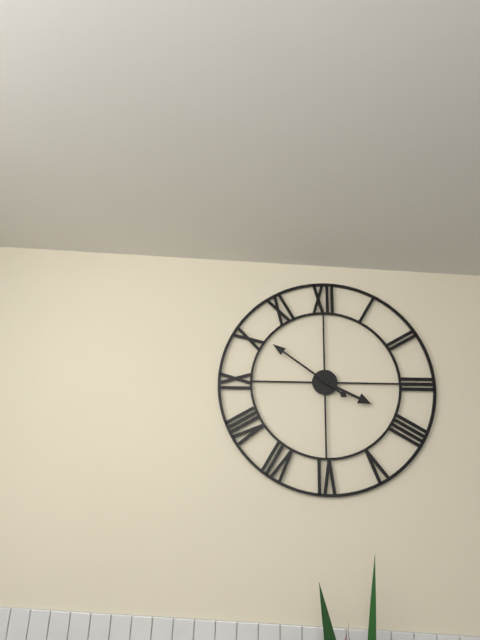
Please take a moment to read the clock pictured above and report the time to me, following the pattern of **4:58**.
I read **3:51**
